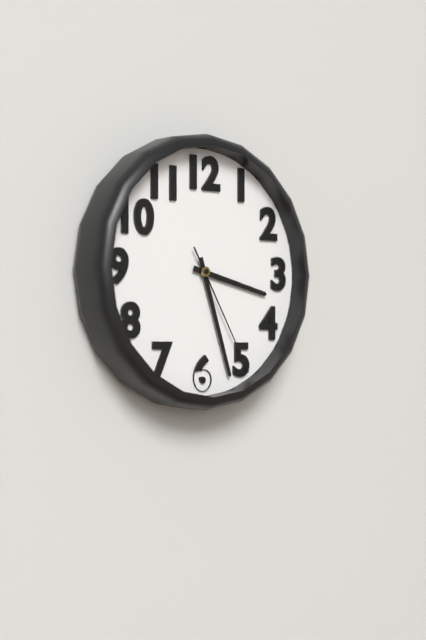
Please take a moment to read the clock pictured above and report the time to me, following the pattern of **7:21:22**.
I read **3:27:25**
